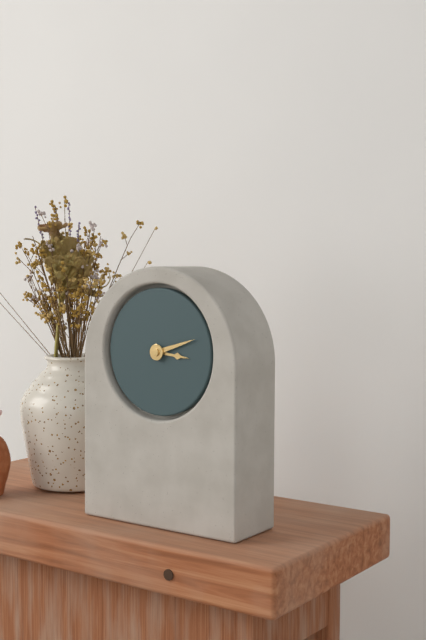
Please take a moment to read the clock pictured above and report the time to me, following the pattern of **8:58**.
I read **3:12**
